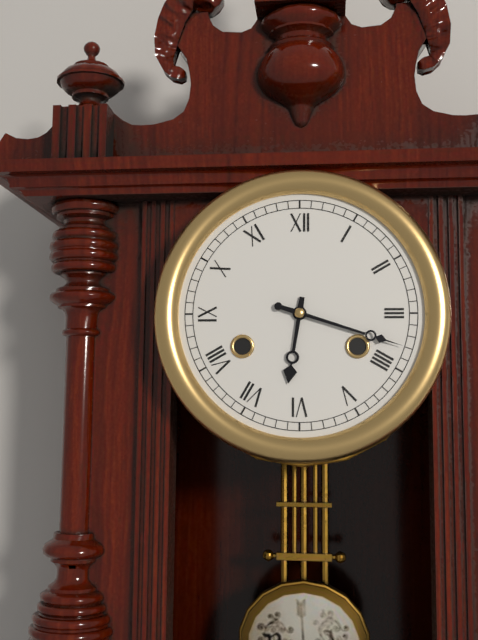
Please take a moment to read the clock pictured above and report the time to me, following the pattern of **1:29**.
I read **6:18**
